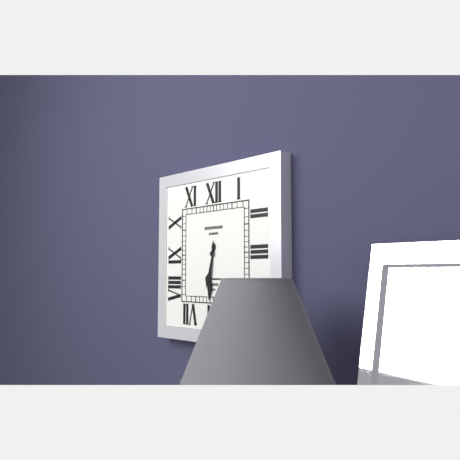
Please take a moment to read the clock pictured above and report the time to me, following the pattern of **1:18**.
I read **6:31**
